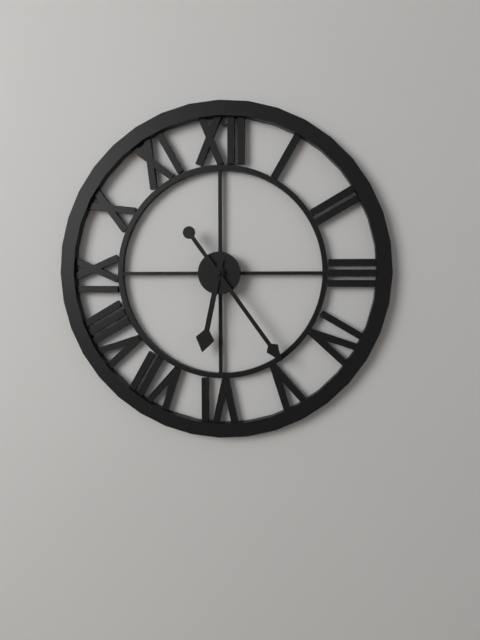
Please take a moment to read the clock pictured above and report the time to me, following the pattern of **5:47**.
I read **6:24**
